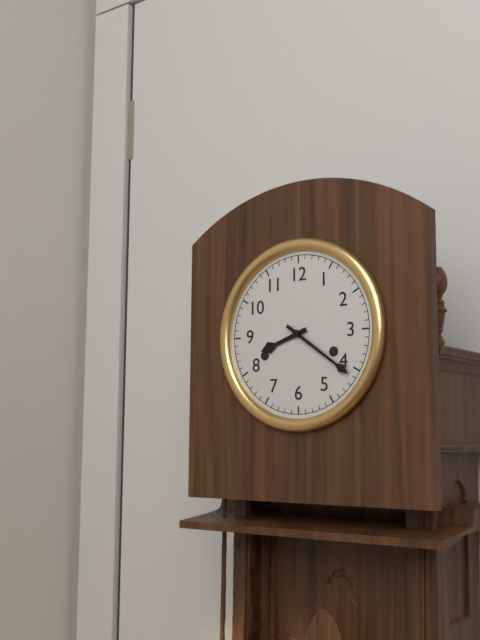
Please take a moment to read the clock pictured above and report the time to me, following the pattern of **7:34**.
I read **8:21**
